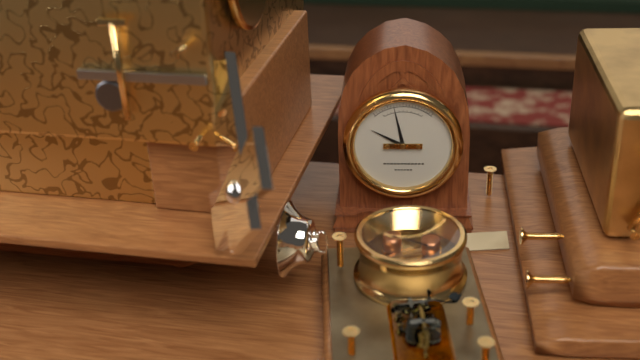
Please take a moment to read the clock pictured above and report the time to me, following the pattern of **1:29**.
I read **9:58**
